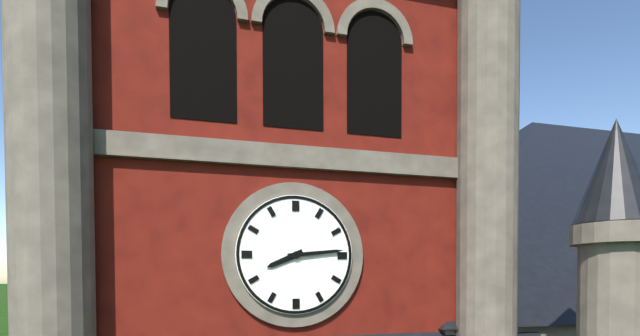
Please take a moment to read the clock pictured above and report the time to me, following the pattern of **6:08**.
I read **8:14**
